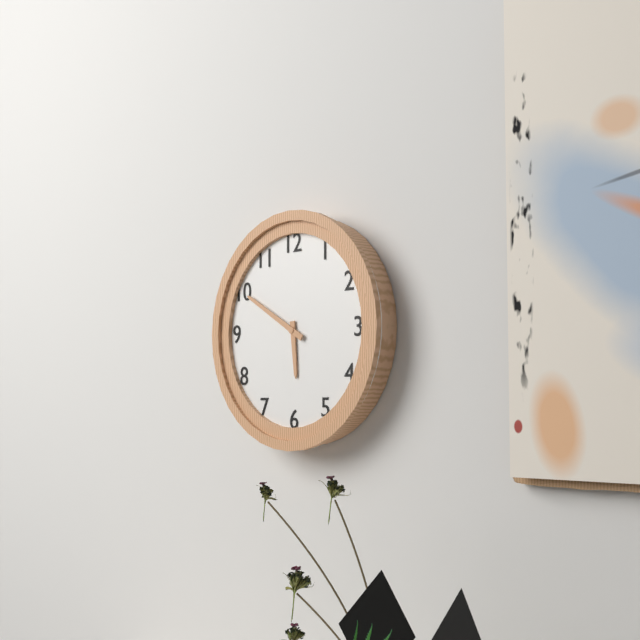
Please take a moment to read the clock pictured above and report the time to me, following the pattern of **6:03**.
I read **5:50**
